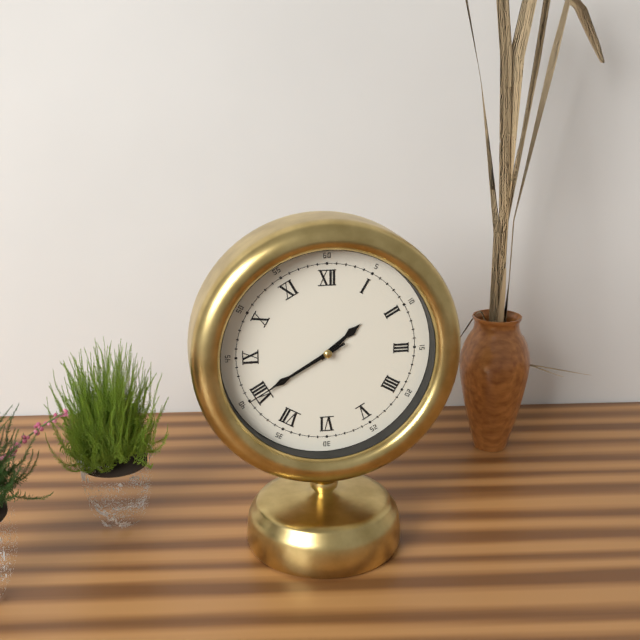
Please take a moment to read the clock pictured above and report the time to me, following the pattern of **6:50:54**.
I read **1:40:40**
